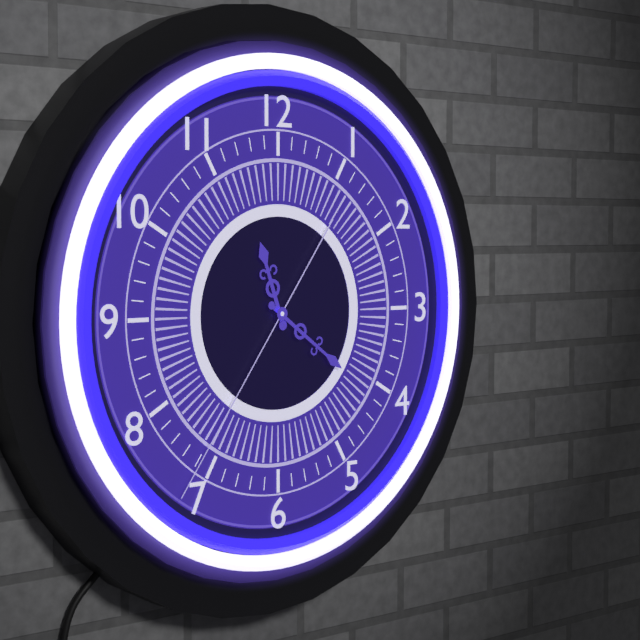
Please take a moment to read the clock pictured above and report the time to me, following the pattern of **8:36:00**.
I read **11:21:36**
